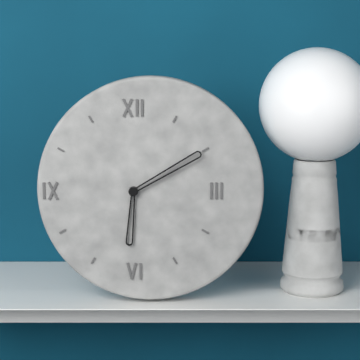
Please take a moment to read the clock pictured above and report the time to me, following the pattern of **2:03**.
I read **6:10**
